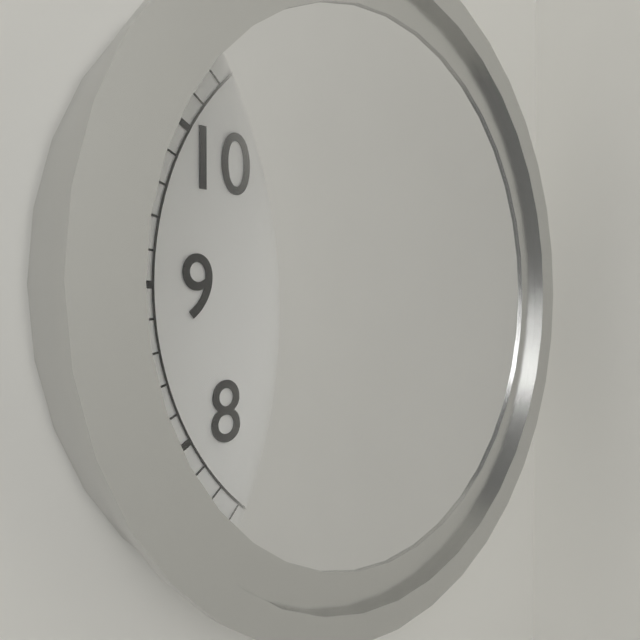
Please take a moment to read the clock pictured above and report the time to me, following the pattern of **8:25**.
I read **10:19**
